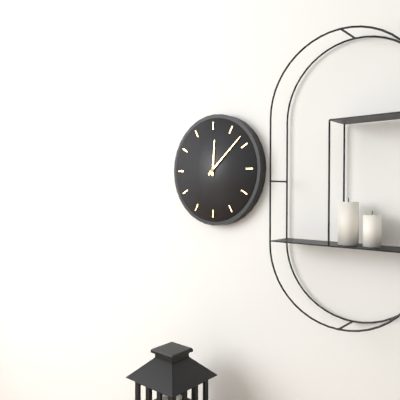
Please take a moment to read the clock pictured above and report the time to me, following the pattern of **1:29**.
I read **12:08**
